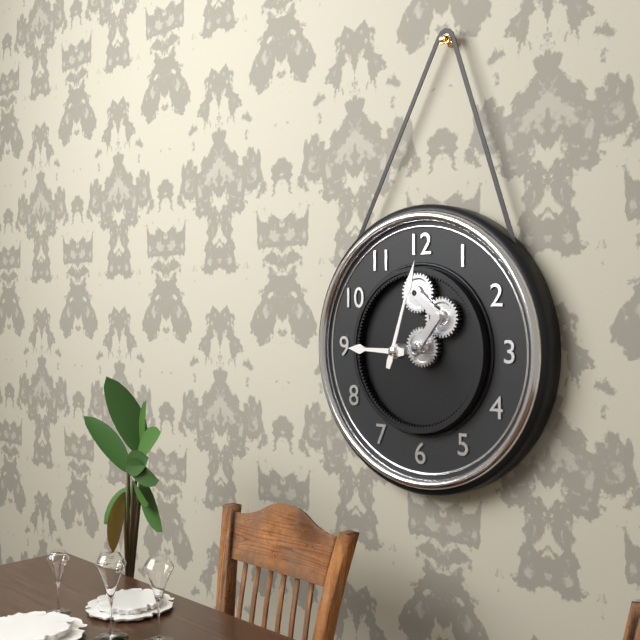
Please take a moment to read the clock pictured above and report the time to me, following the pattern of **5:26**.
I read **9:03**
